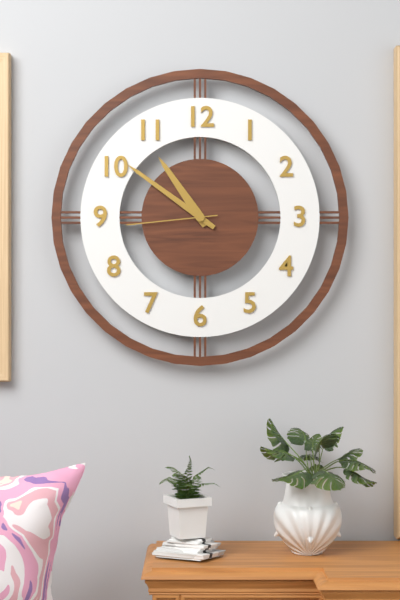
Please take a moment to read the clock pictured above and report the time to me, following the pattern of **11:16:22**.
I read **10:51:44**
